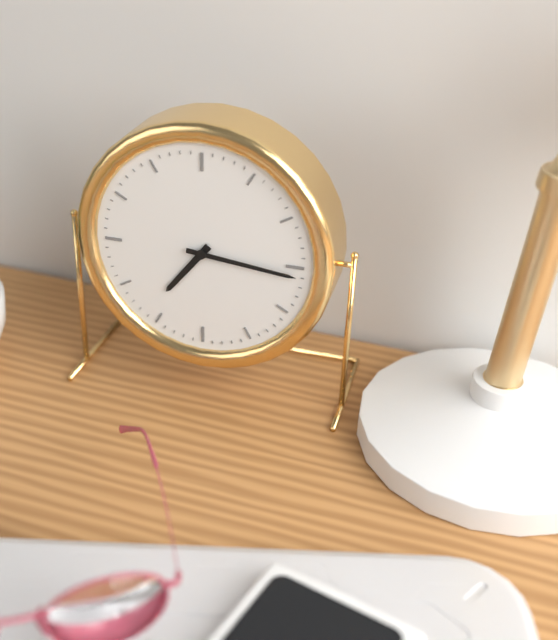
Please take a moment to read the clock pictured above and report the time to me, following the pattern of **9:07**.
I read **7:16**
